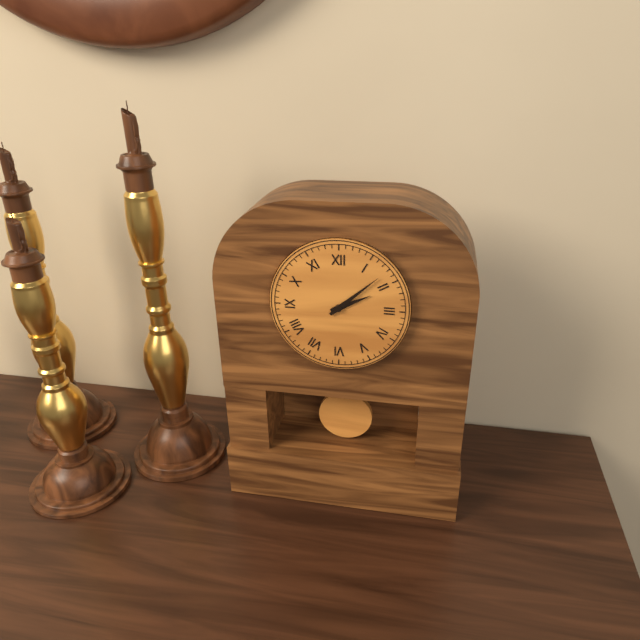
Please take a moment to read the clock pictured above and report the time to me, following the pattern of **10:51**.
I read **2:08**
